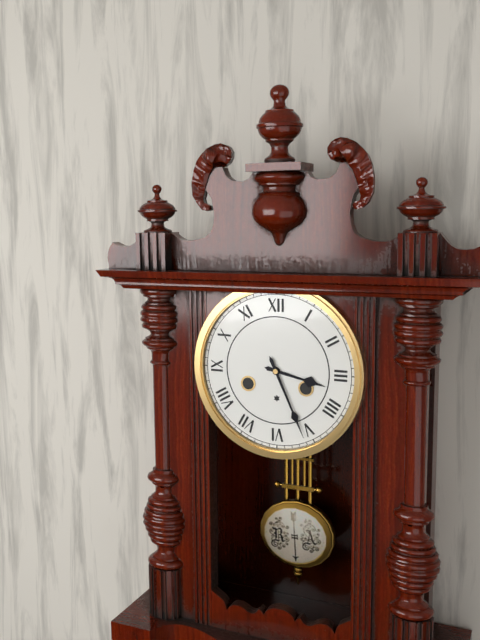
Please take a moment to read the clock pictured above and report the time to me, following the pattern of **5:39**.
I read **3:26**
